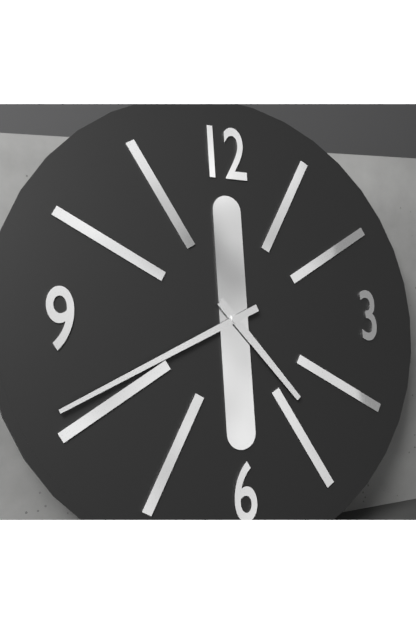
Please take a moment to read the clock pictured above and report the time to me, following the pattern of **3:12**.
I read **4:41**
